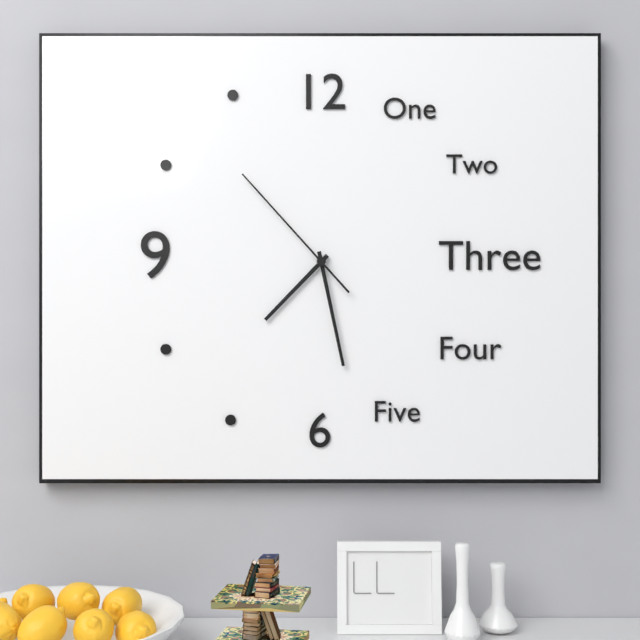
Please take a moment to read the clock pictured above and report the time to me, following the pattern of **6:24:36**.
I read **7:28:53**
